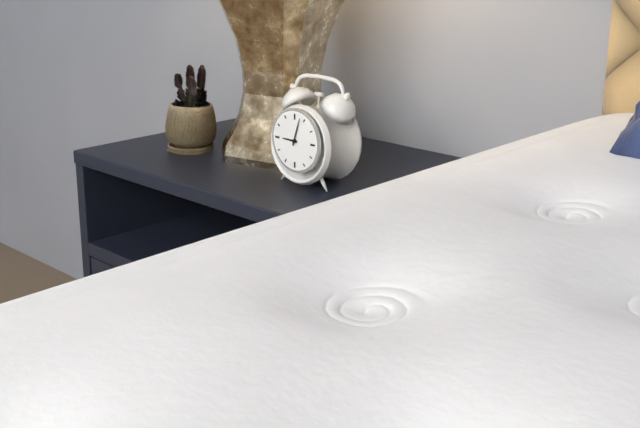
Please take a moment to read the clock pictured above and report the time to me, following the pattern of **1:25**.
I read **9:03**
